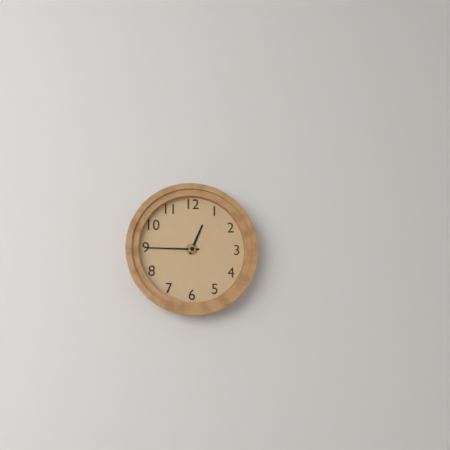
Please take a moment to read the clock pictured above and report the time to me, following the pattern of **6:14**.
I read **12:45**
